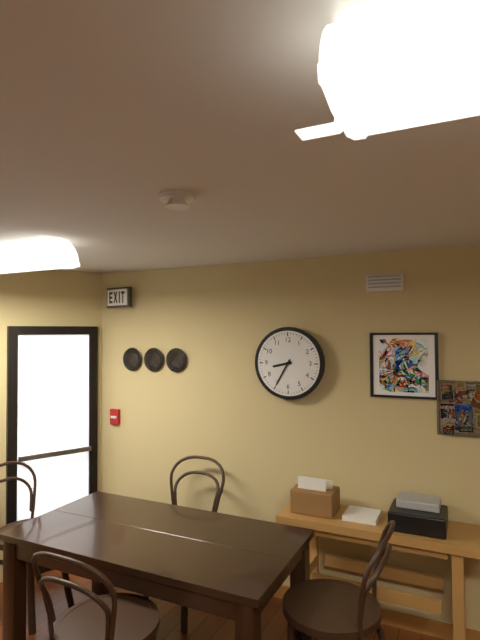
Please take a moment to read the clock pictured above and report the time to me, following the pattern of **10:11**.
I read **8:35**
